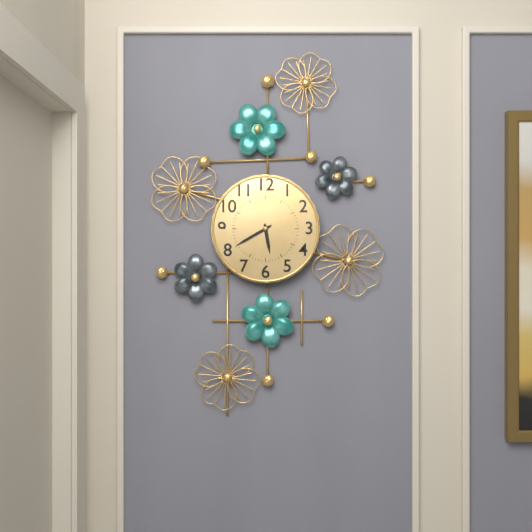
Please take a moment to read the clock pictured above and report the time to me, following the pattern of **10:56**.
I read **5:40**
